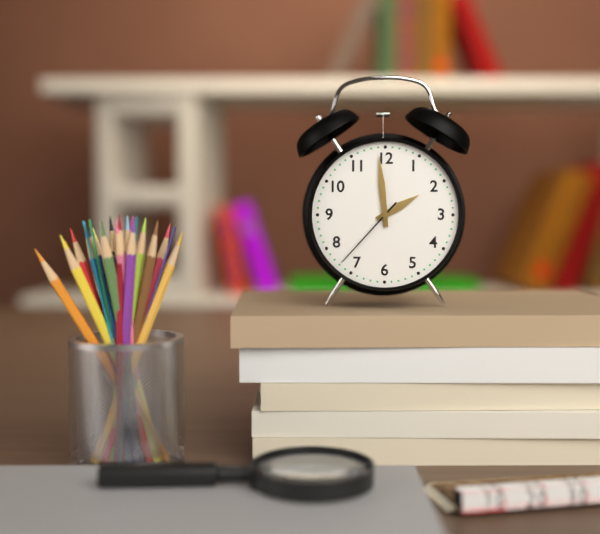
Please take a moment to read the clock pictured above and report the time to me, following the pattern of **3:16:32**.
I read **1:59:37**
